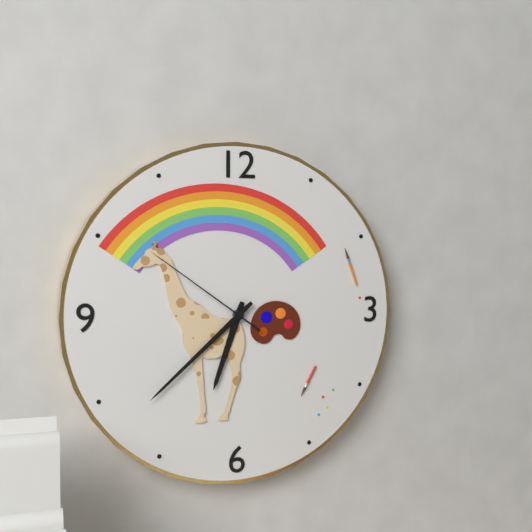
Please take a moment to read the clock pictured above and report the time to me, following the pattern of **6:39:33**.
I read **6:38:51**
